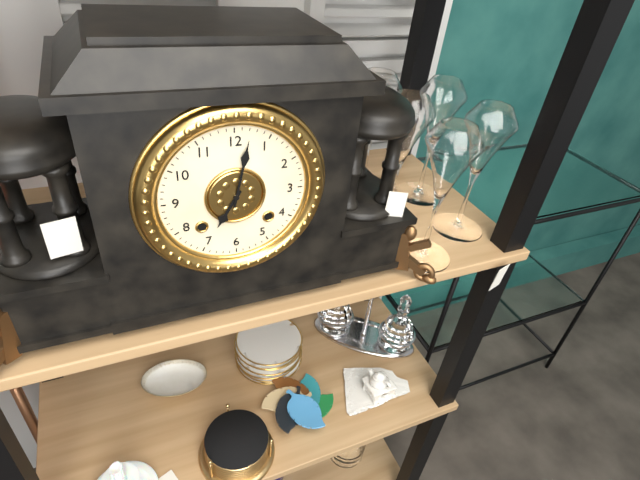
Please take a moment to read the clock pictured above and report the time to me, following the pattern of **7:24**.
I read **7:02**
